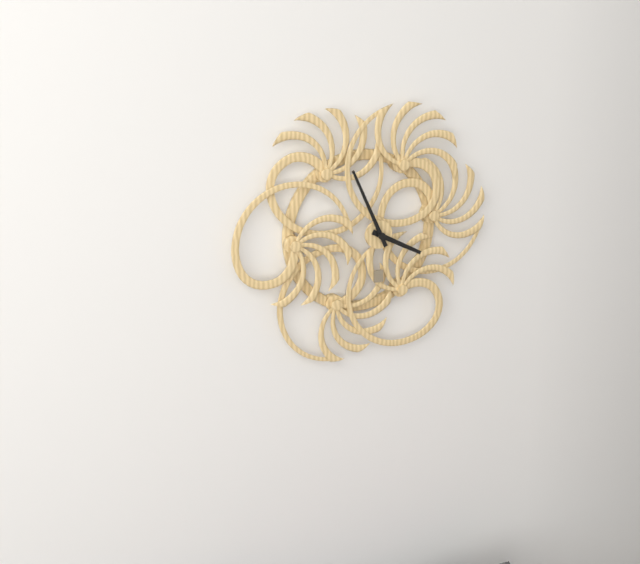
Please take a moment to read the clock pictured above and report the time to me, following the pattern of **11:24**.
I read **3:56**
